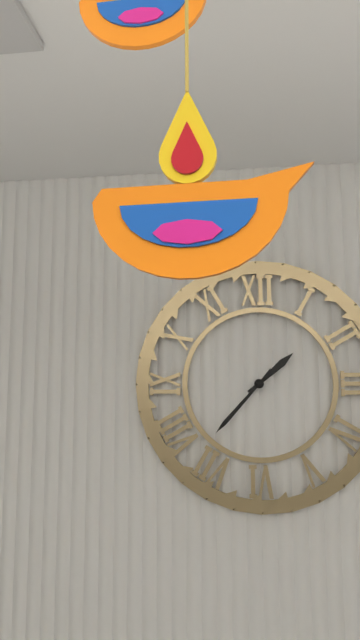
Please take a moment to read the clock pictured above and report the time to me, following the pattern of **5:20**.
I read **1:37**
